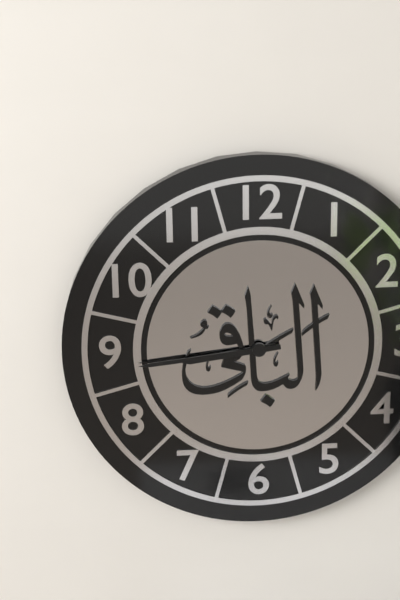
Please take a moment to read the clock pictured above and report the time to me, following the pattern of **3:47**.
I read **8:44**
